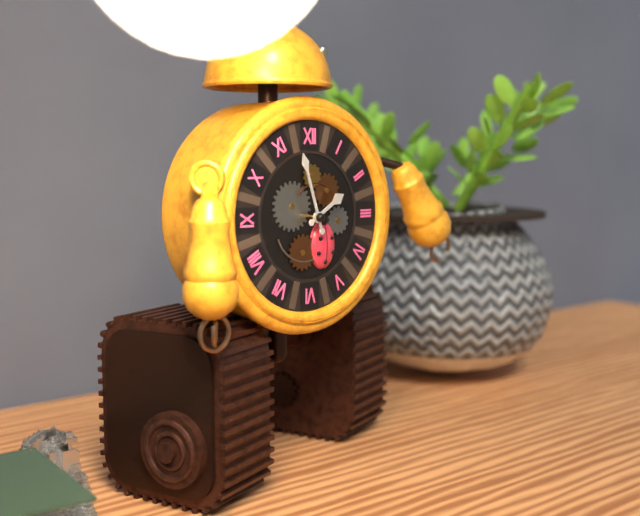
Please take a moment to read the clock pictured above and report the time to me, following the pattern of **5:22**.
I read **1:57**
